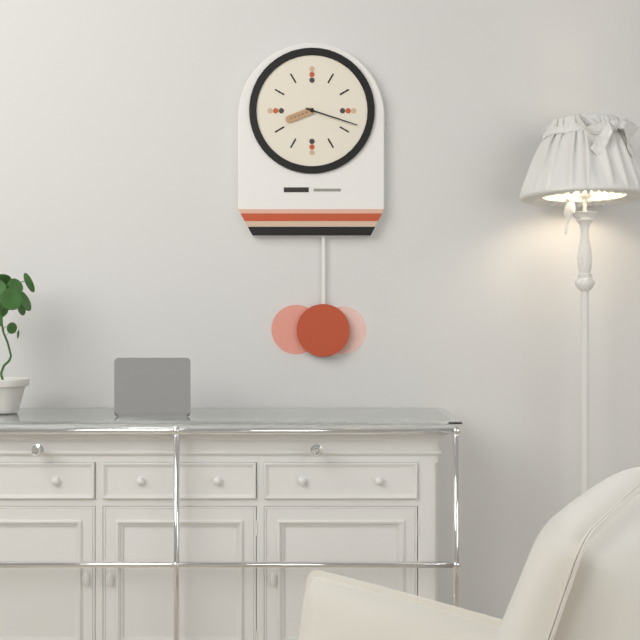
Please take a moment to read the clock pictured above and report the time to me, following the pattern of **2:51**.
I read **8:18**
